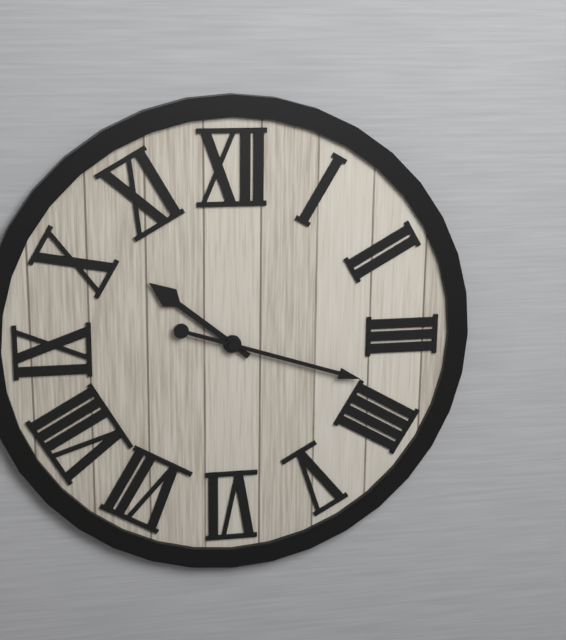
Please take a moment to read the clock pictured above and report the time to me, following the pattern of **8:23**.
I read **10:18**
